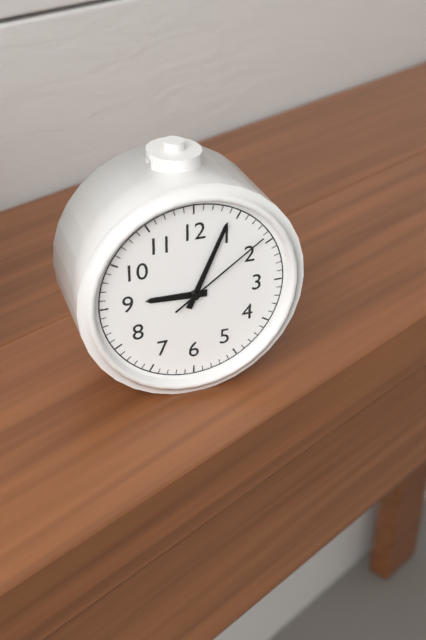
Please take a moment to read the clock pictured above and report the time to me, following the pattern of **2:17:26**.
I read **9:04:09**
